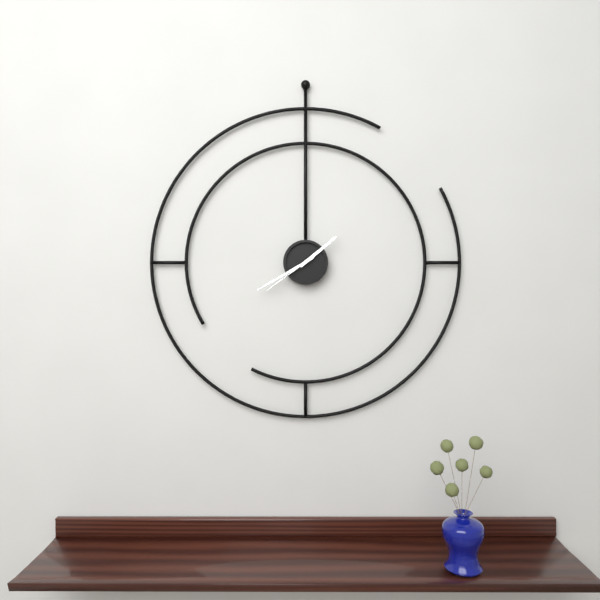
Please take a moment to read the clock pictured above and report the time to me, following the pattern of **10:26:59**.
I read **1:40:39**
